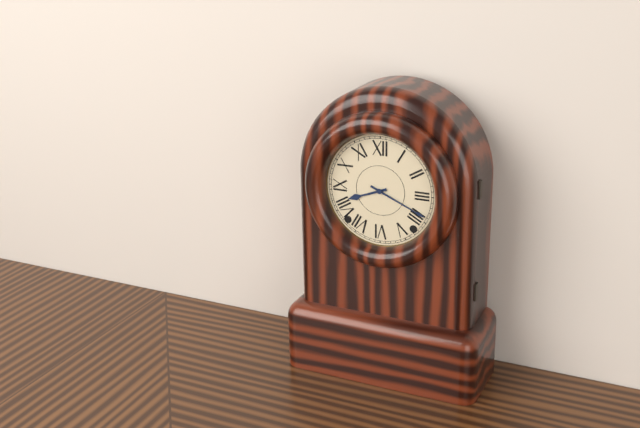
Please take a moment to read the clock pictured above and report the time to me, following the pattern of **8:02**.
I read **8:19**
